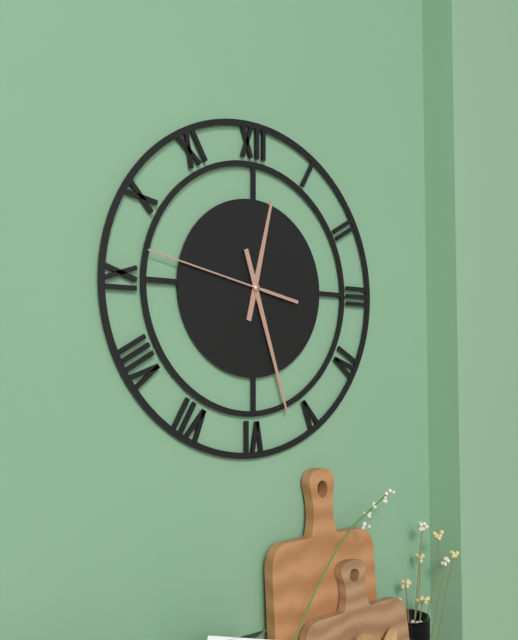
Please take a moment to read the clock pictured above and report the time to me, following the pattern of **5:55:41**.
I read **12:27:47**
